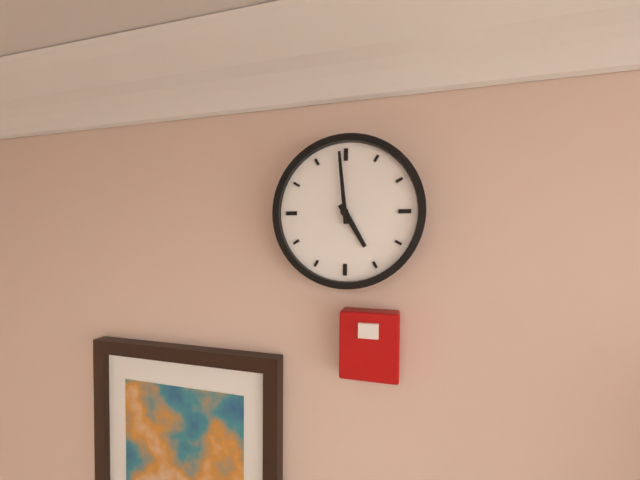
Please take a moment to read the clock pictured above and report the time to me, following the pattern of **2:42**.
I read **4:59**
